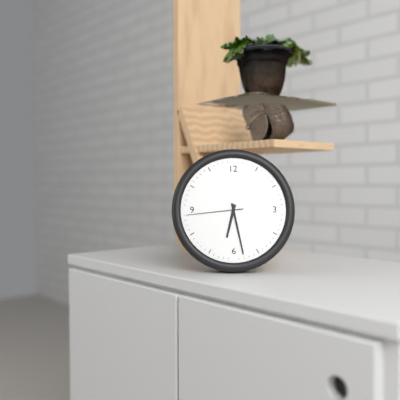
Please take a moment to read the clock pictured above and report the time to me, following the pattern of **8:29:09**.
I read **6:28:44**
